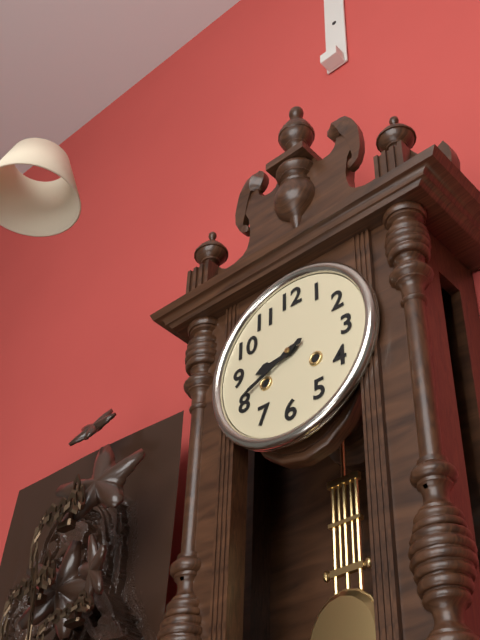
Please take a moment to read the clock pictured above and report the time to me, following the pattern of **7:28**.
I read **8:41**
